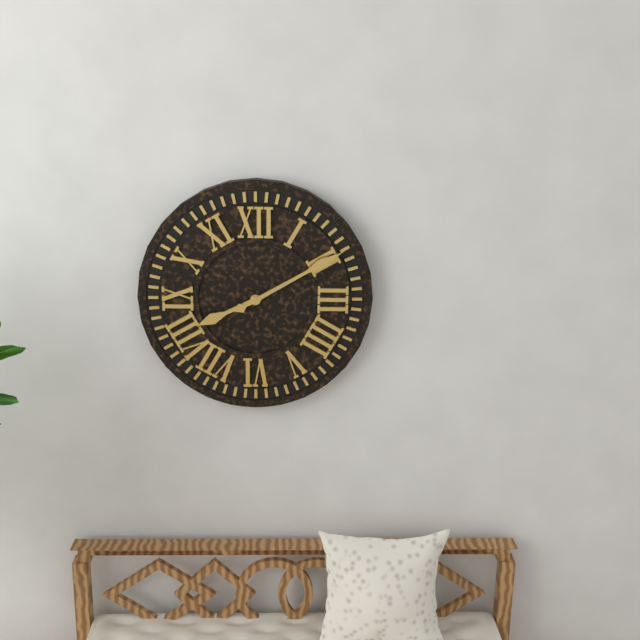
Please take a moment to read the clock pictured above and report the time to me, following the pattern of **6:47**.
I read **8:10**
